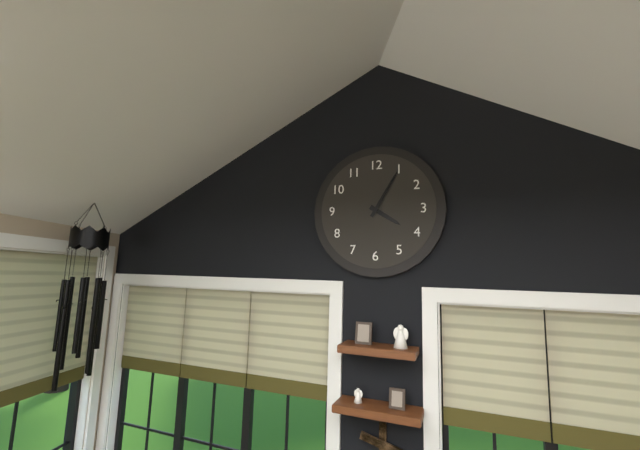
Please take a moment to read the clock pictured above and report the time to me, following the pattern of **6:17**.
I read **4:05**
